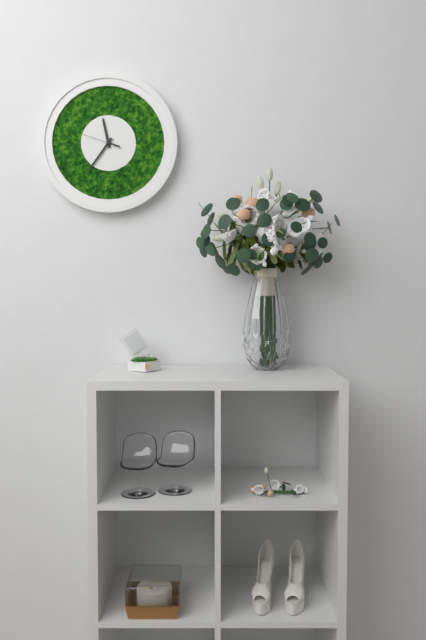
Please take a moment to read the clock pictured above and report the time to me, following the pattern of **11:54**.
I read **11:36**
